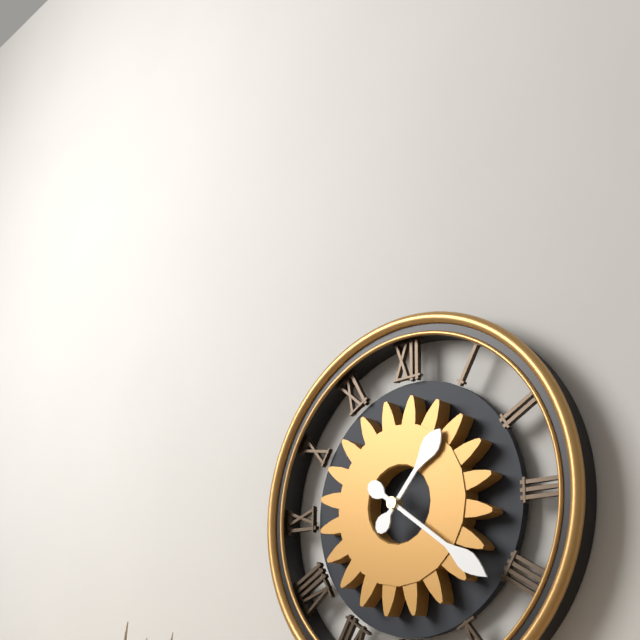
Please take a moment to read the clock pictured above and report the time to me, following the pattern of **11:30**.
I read **1:21**
